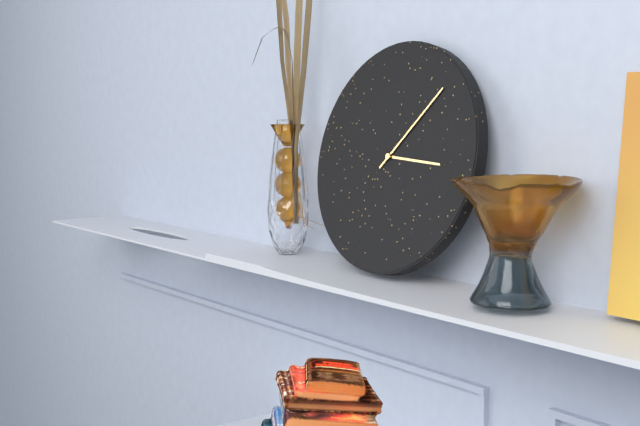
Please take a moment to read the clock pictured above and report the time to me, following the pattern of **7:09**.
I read **3:07**
